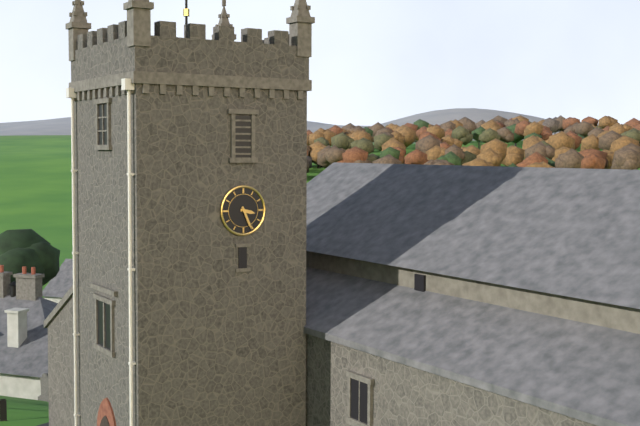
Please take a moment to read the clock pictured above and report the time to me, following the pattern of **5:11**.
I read **3:26**
